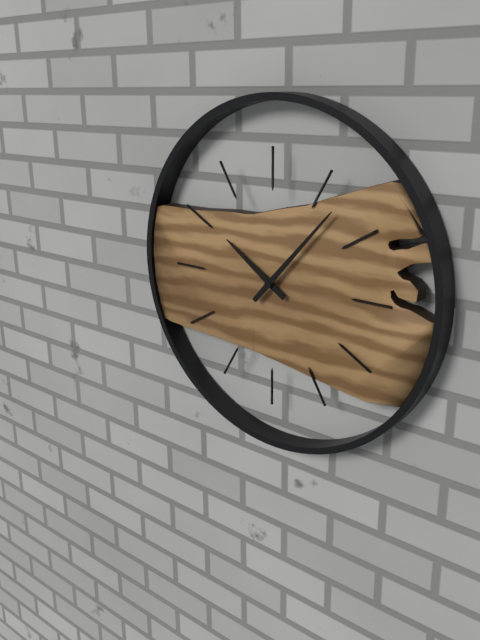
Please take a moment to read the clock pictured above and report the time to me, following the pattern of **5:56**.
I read **10:07**
